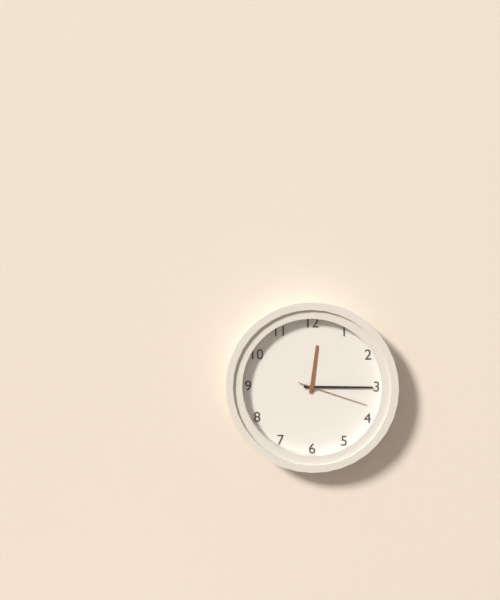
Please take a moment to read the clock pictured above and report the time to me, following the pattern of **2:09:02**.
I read **12:15:18**
